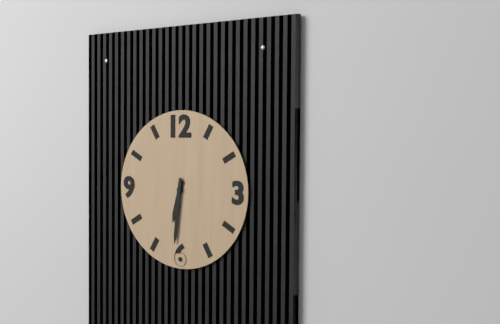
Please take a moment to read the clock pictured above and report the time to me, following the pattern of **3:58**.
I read **6:31**
